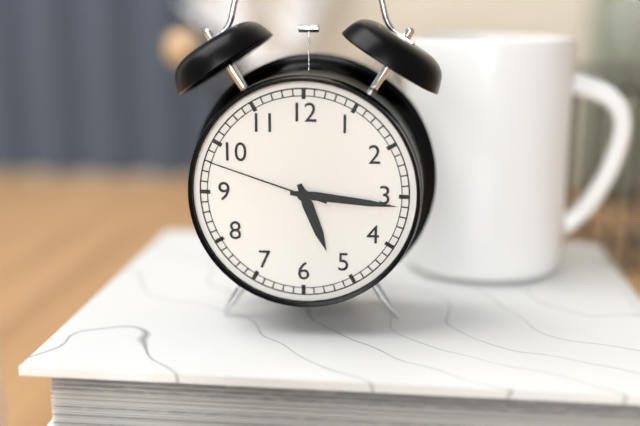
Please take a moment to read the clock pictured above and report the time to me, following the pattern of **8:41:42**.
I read **5:16:48**
